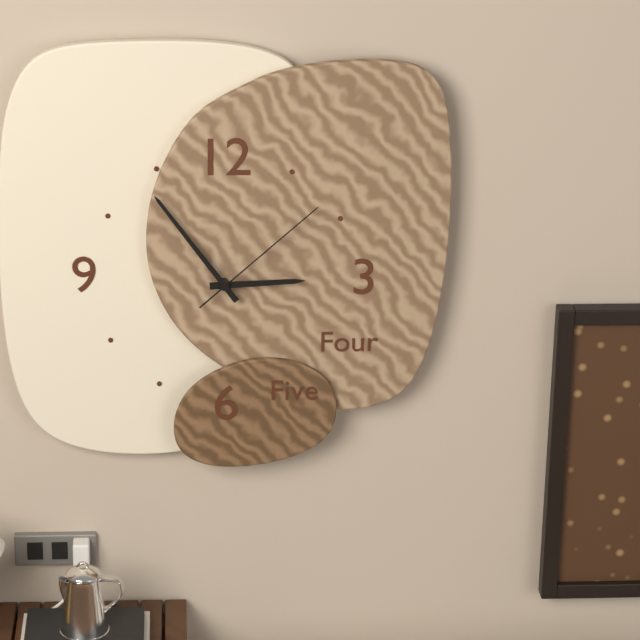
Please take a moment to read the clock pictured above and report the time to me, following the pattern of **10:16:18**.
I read **2:54:08**
